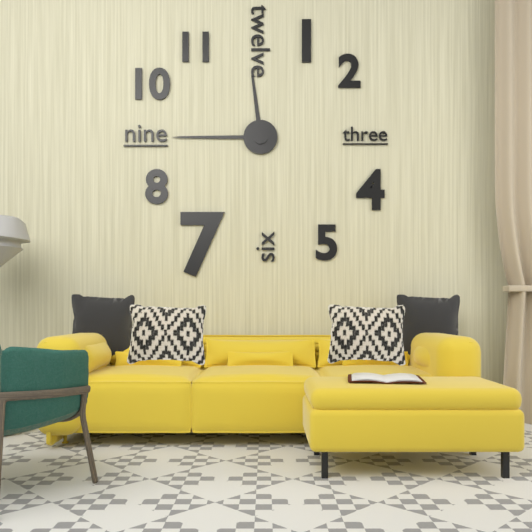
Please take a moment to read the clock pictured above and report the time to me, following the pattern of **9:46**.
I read **11:45**
